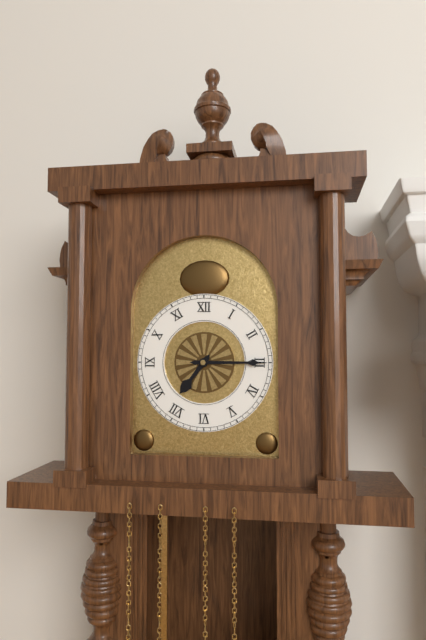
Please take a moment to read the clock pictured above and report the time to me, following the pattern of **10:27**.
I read **7:15**
